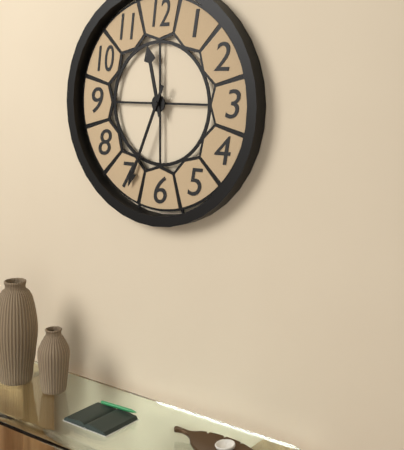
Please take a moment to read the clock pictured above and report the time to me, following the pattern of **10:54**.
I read **11:34**
